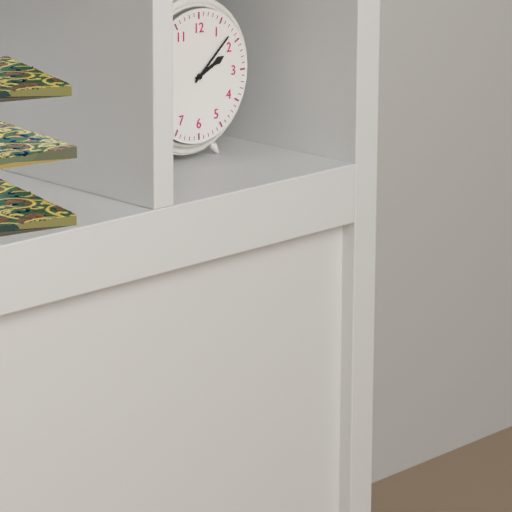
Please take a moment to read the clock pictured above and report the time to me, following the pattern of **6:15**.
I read **2:08**
